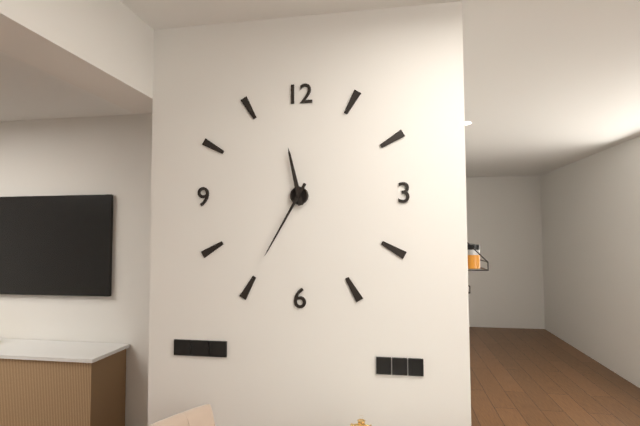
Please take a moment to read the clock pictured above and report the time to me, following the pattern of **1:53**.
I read **11:35**
